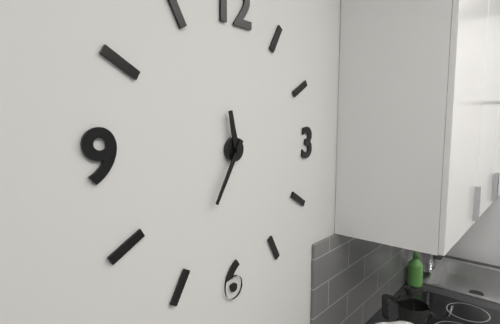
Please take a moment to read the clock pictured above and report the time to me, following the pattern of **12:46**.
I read **11:35**
